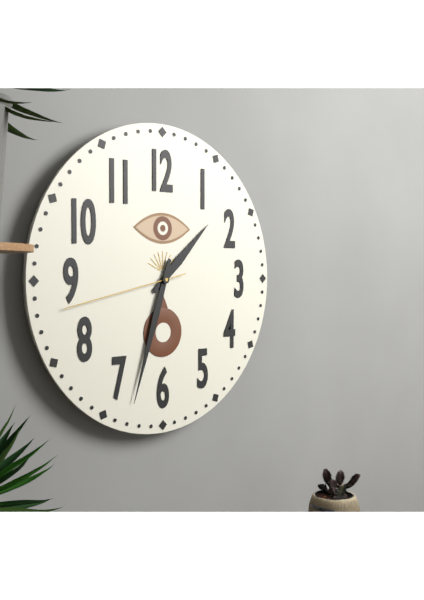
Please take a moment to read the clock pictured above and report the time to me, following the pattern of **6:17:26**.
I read **1:33:43**
